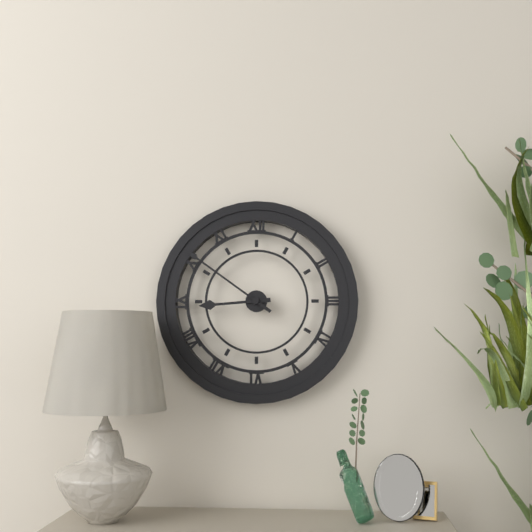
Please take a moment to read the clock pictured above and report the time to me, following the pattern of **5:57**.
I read **8:51**
